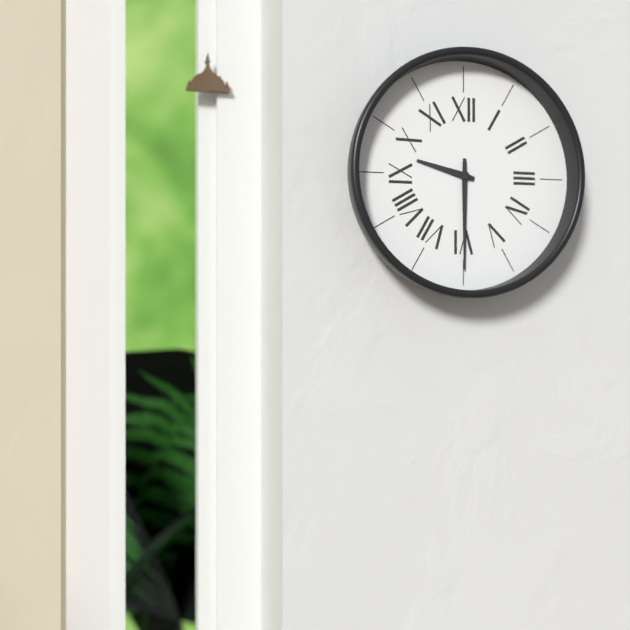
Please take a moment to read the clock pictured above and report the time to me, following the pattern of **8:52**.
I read **9:30**
